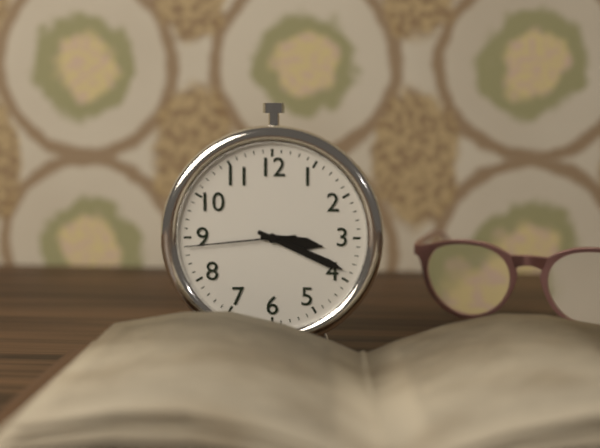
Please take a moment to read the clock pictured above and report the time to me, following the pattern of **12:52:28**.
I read **3:19:44**
